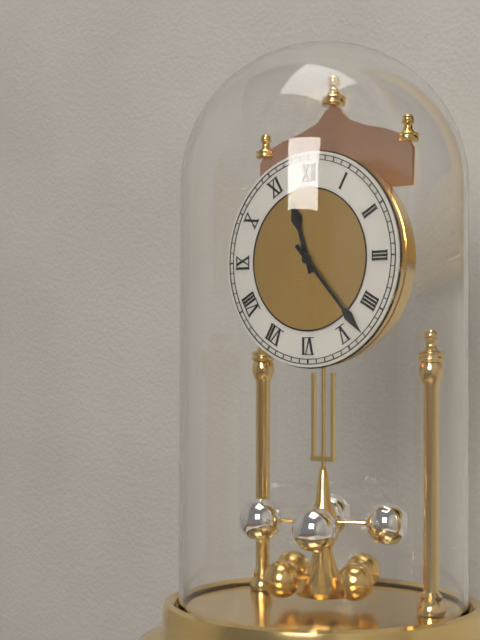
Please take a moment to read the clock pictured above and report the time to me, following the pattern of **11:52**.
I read **11:23**
